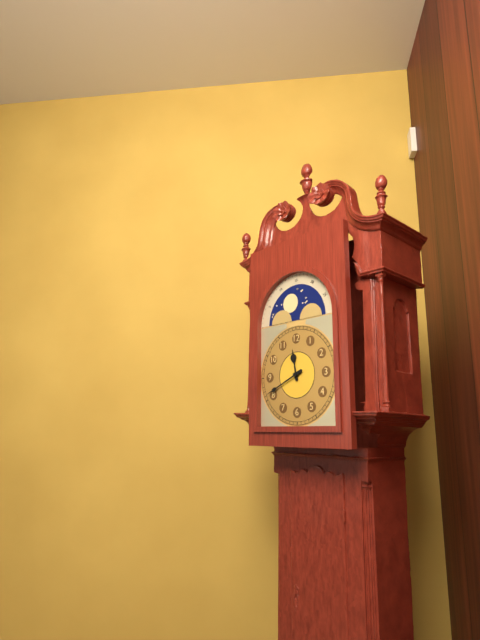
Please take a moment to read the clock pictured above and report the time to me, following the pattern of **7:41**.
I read **11:41**
